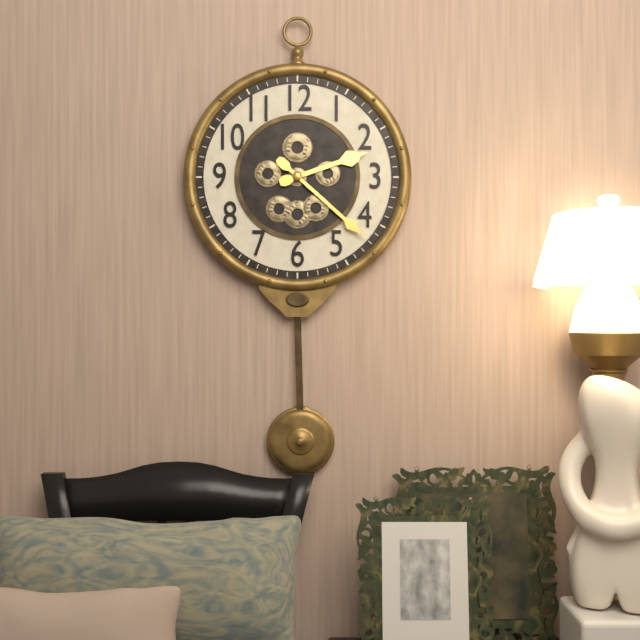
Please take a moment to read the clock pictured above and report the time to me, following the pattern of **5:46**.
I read **2:22**
